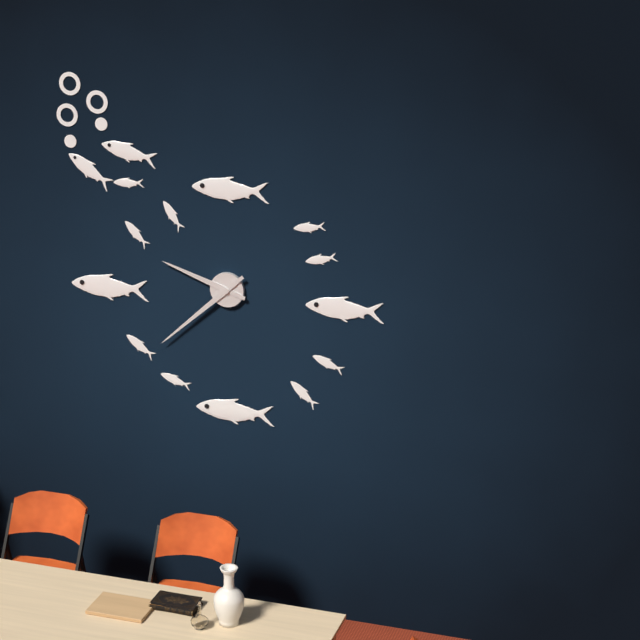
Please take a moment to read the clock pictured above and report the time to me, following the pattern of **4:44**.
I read **9:38**
